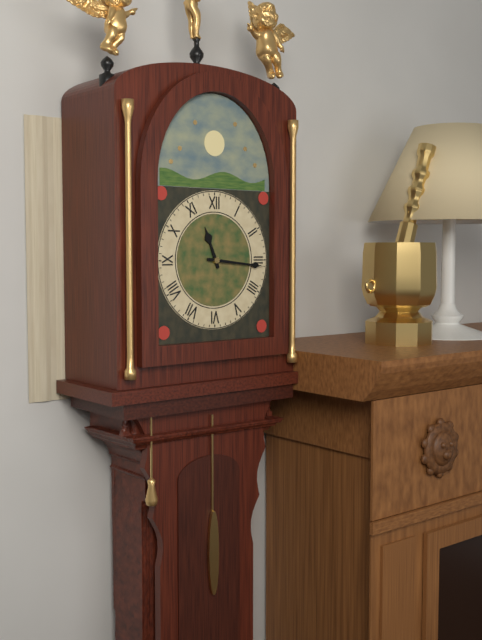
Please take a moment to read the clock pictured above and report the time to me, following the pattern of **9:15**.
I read **11:16**
